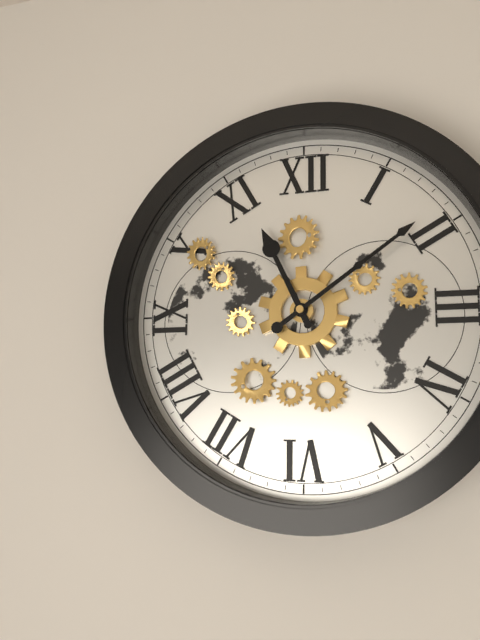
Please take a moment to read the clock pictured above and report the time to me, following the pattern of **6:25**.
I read **11:09**
